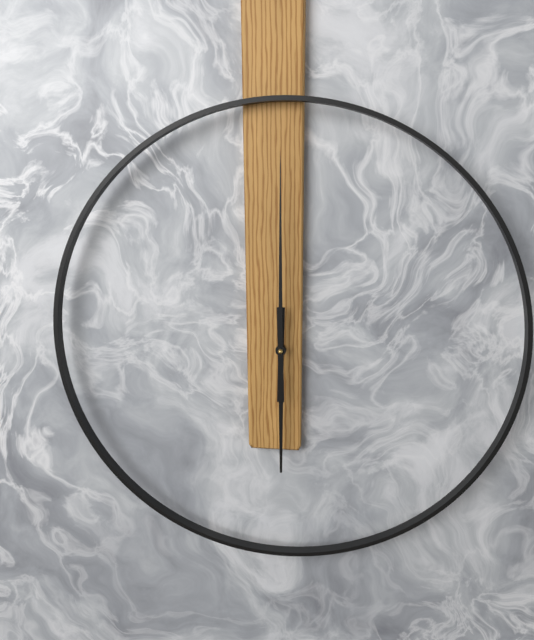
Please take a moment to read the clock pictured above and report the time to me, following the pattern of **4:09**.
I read **6:00**
